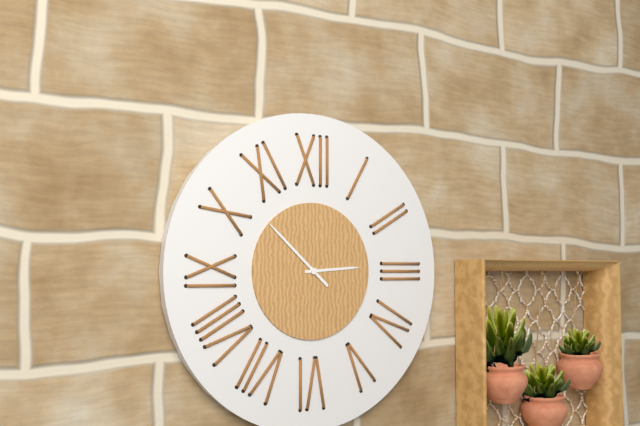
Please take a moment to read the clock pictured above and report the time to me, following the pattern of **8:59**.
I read **2:52**
